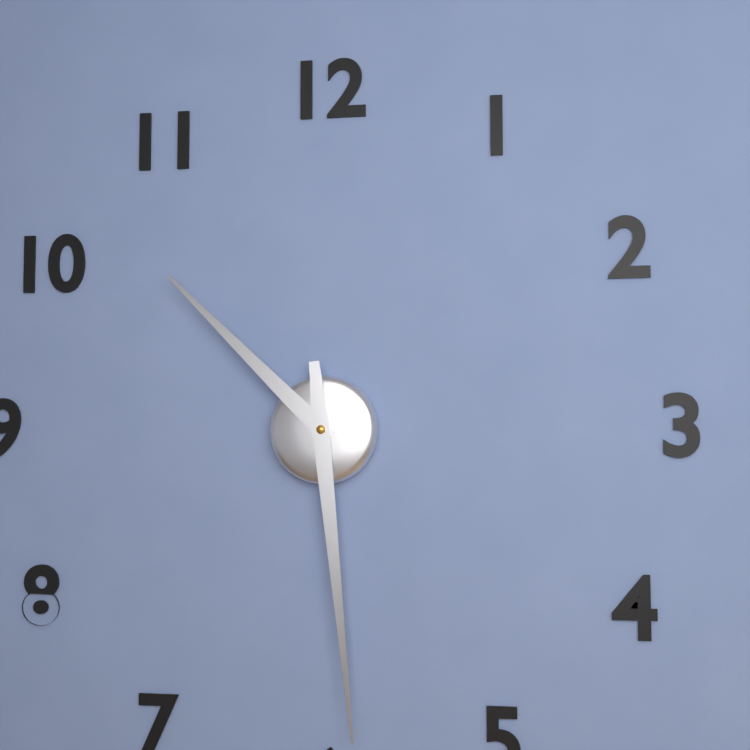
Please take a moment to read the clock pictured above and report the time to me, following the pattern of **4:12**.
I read **10:29**
